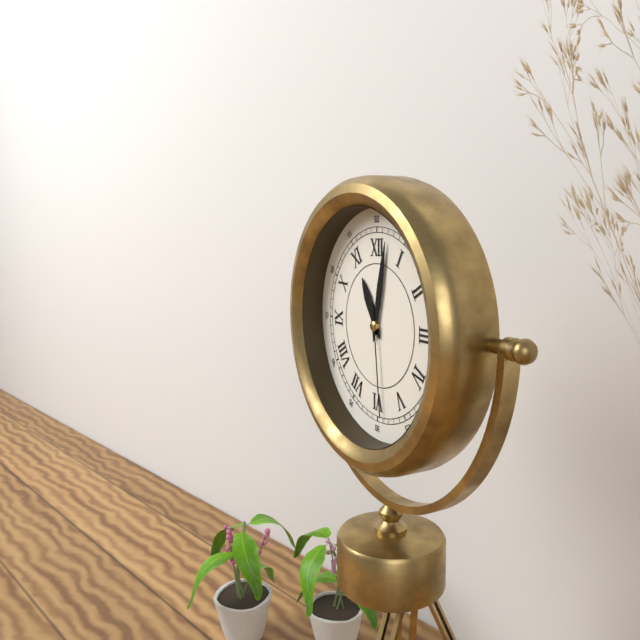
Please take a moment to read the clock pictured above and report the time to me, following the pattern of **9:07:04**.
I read **11:02:29**
